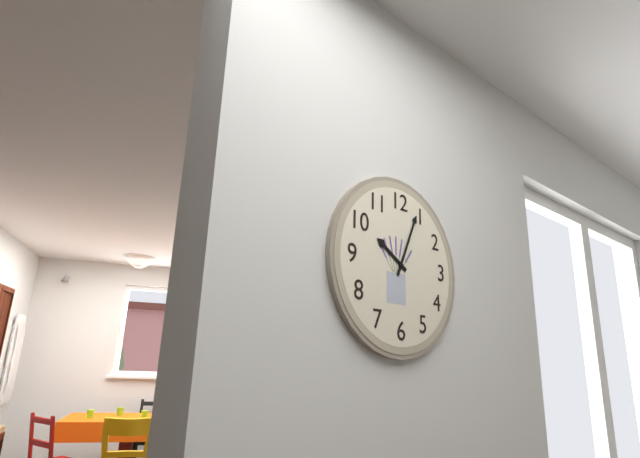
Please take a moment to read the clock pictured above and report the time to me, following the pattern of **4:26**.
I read **10:04**
